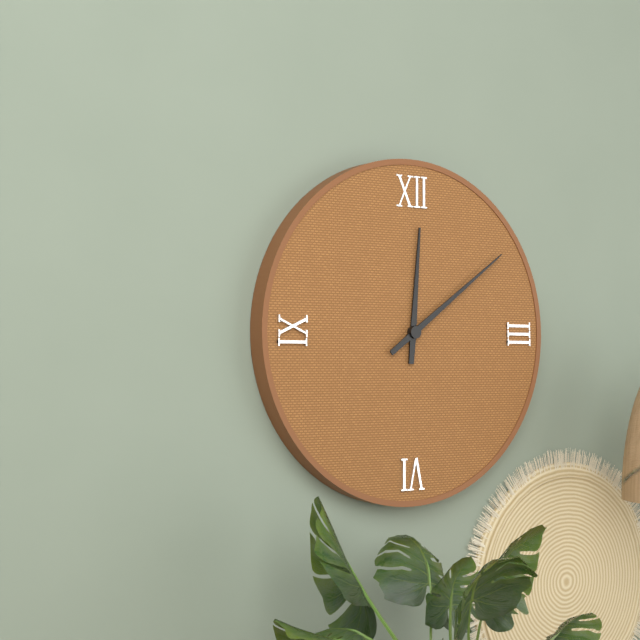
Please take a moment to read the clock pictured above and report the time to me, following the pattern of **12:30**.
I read **12:09**
